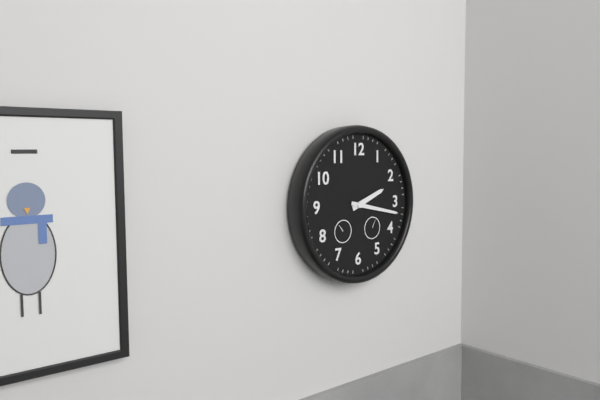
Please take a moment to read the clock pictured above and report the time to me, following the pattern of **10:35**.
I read **2:17**
